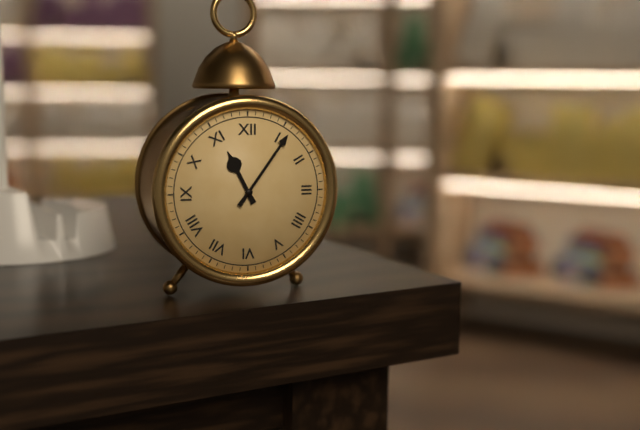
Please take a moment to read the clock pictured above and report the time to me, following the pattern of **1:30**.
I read **11:06**
